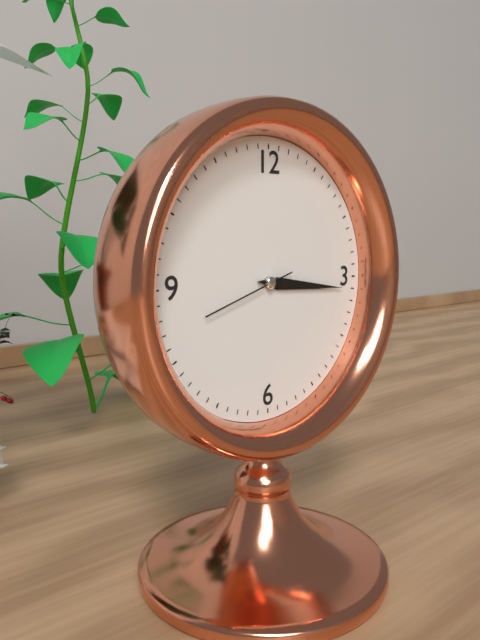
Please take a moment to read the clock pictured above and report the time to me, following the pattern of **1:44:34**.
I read **3:16:42**
